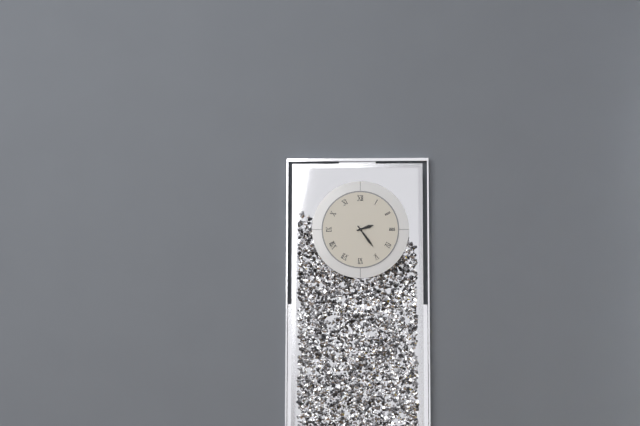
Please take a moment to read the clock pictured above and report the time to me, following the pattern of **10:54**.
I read **2:24**
